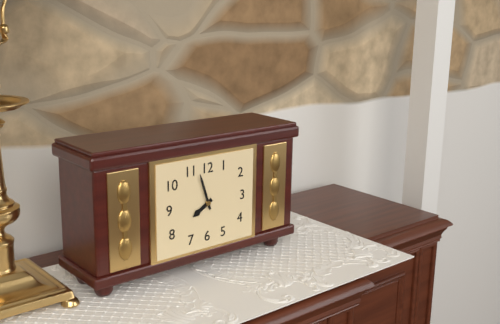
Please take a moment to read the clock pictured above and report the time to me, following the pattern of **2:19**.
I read **7:57**
